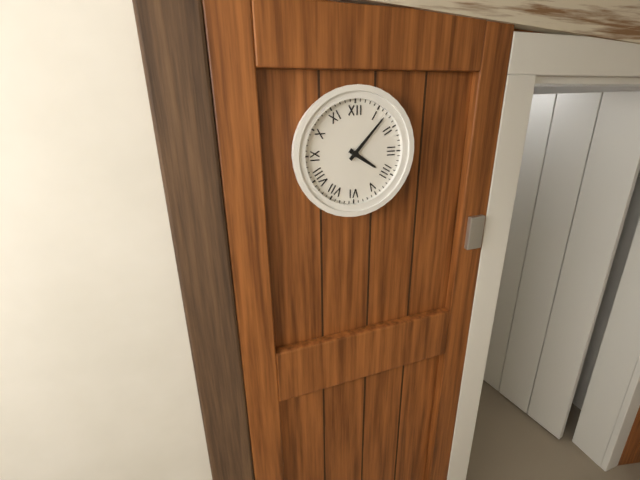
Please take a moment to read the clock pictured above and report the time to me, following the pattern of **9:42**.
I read **4:07**
